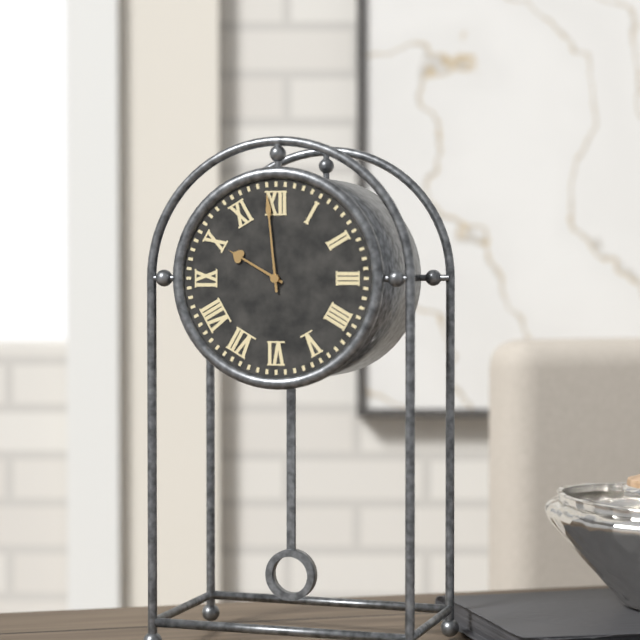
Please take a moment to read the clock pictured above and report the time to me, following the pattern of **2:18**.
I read **9:59**
